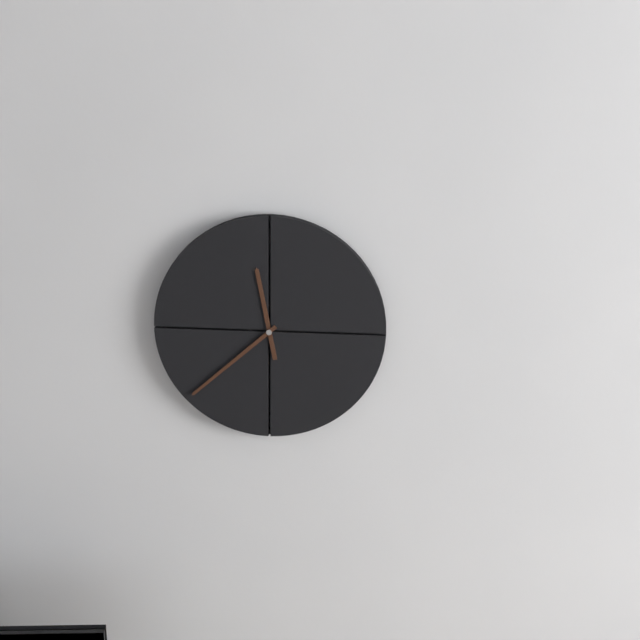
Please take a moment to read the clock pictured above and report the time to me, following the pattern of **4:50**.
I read **11:38**
